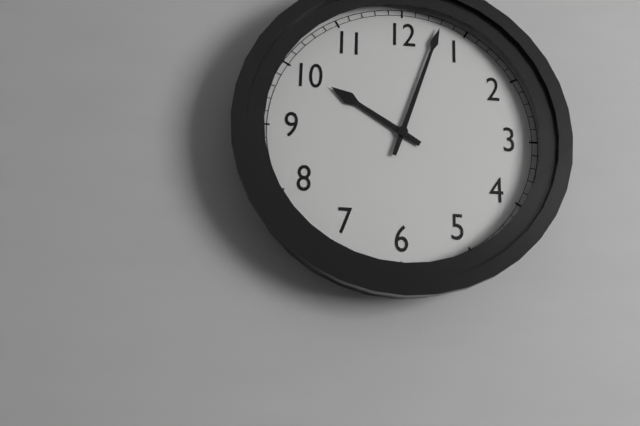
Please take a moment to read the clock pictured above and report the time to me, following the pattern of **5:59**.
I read **10:03**
